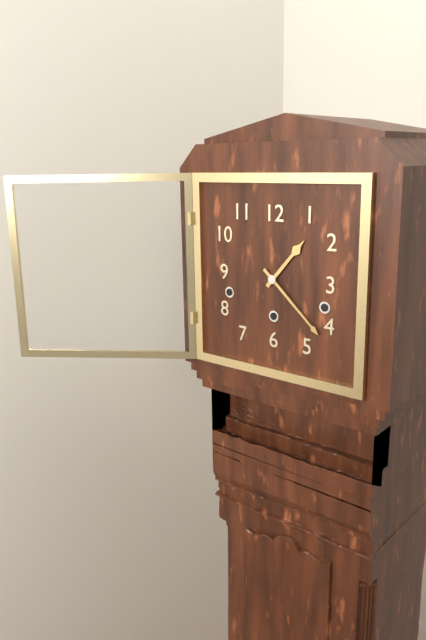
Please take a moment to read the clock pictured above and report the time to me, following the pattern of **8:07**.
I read **1:22**
